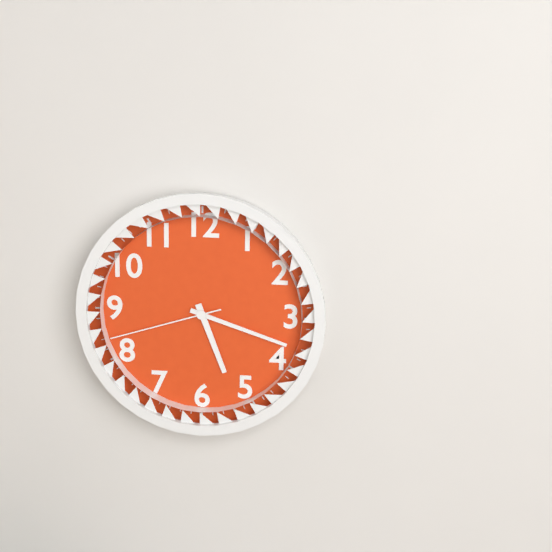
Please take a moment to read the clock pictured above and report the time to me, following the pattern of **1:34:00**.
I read **5:18:42**
